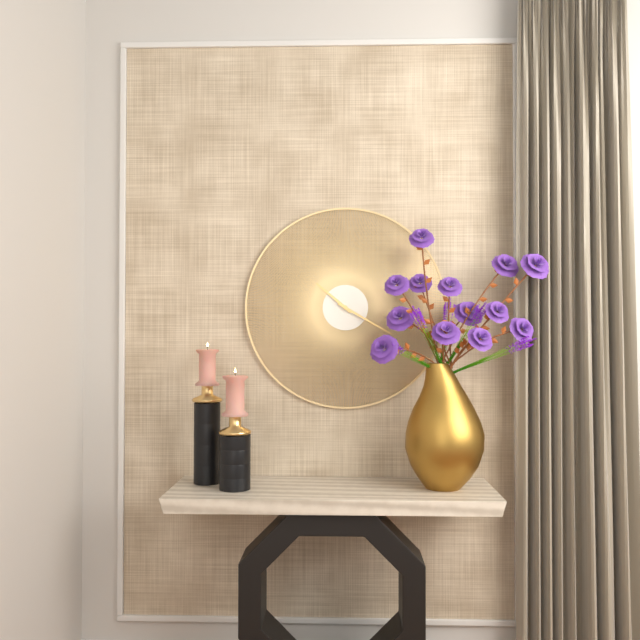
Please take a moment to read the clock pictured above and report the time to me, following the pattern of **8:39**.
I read **10:20**
